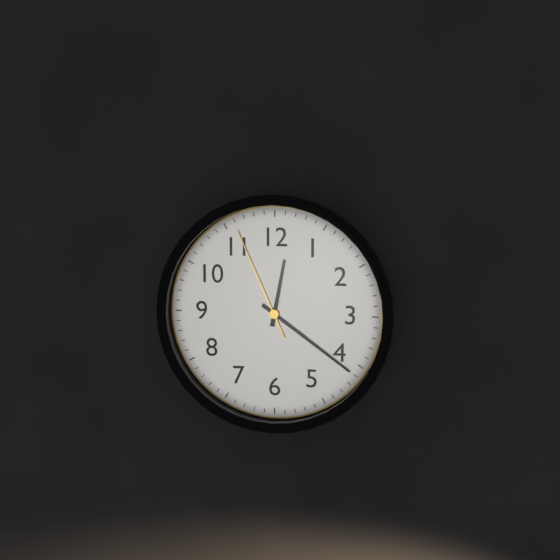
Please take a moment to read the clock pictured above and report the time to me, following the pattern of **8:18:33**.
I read **12:21:56**
